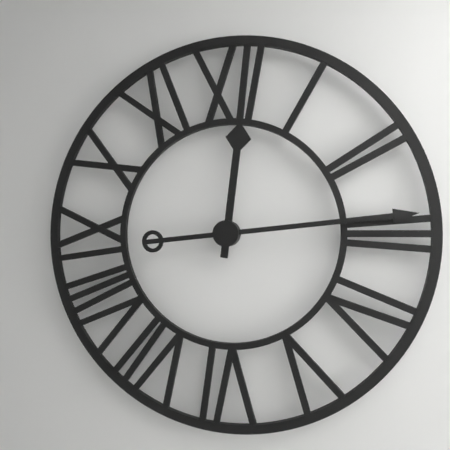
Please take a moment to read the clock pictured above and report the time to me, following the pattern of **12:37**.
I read **12:14**
